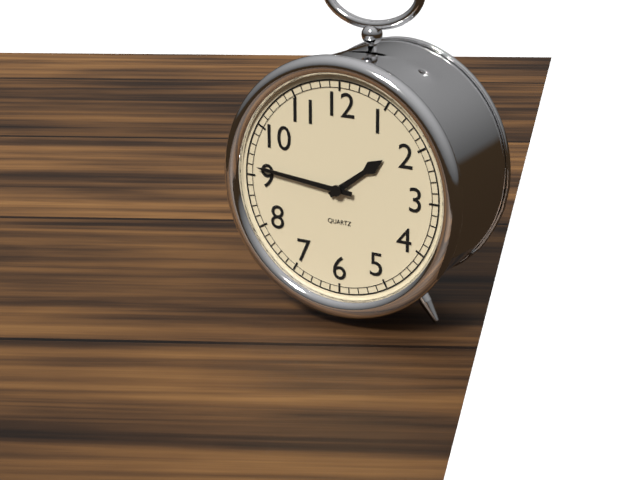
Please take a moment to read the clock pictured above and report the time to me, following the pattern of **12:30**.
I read **1:46**
